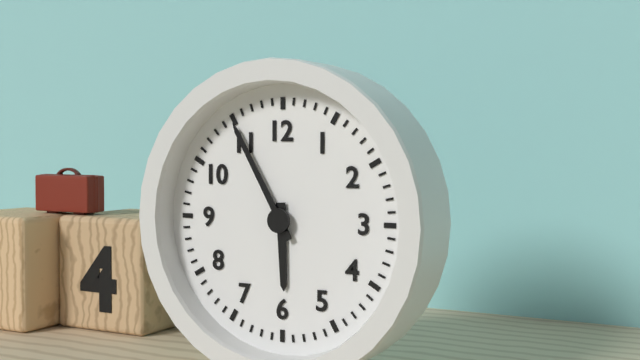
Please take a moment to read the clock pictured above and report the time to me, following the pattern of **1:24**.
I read **5:55**
